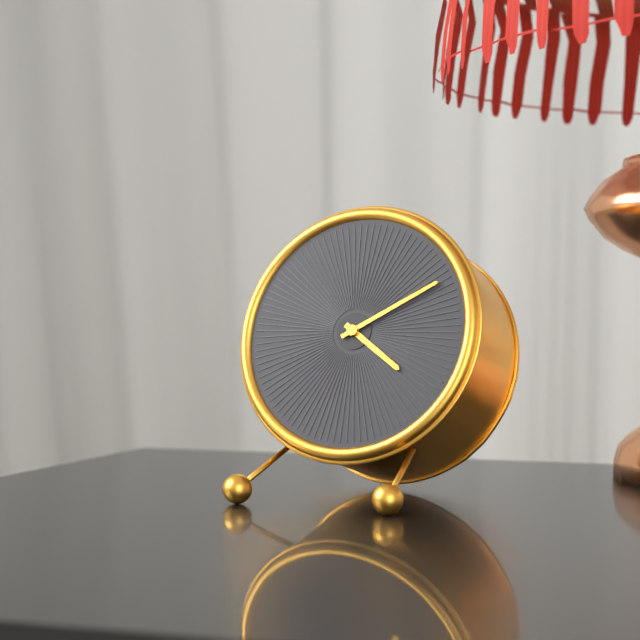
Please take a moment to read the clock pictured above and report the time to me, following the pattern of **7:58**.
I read **4:10**
